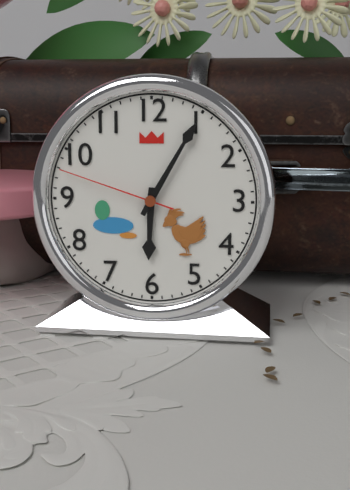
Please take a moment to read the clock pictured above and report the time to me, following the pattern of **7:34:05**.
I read **6:05:48**
